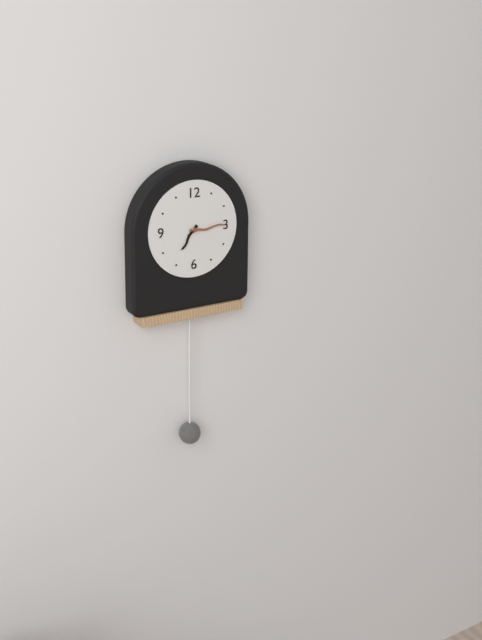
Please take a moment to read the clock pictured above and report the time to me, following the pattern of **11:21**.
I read **7:15**
